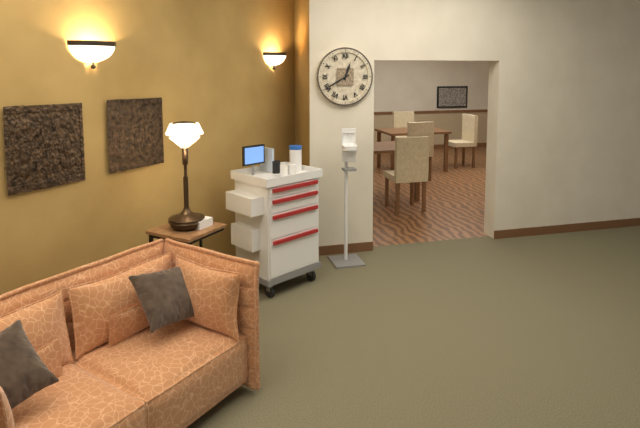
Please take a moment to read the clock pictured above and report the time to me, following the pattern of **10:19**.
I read **12:40**
